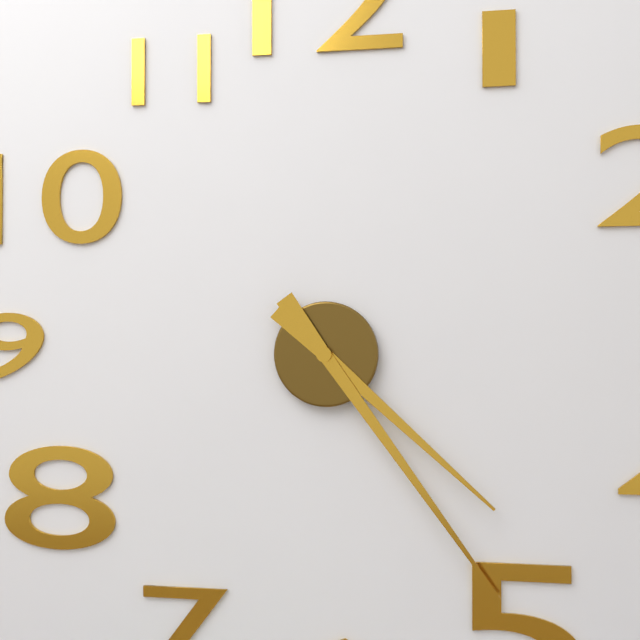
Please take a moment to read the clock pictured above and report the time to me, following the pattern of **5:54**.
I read **4:24**
